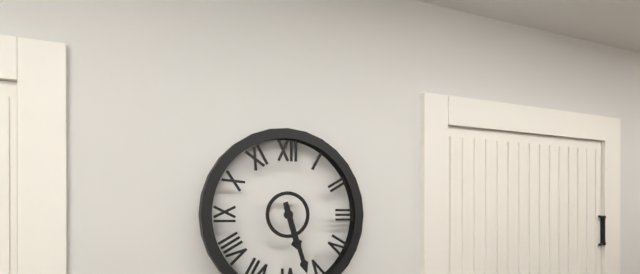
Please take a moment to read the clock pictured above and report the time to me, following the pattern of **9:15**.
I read **5:27**
